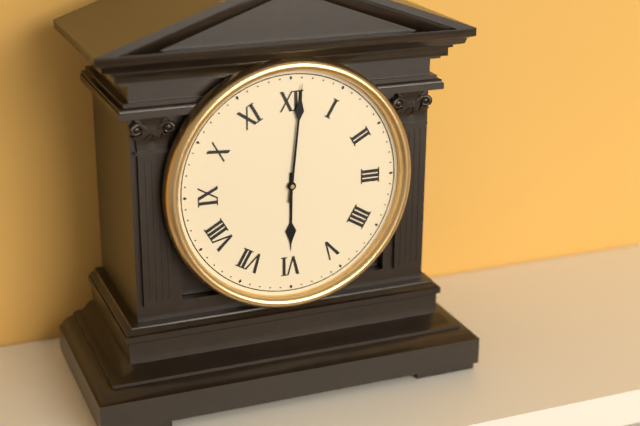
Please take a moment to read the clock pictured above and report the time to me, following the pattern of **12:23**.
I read **6:01**
